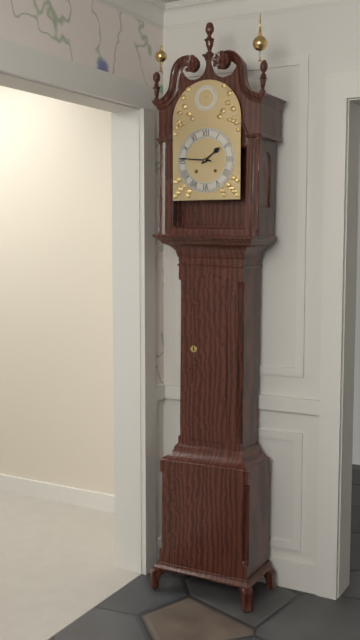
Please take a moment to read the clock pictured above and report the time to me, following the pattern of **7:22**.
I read **1:46**
